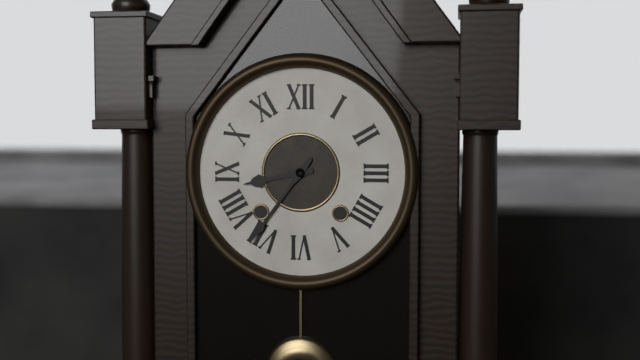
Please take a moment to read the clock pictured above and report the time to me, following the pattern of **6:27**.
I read **8:36**
